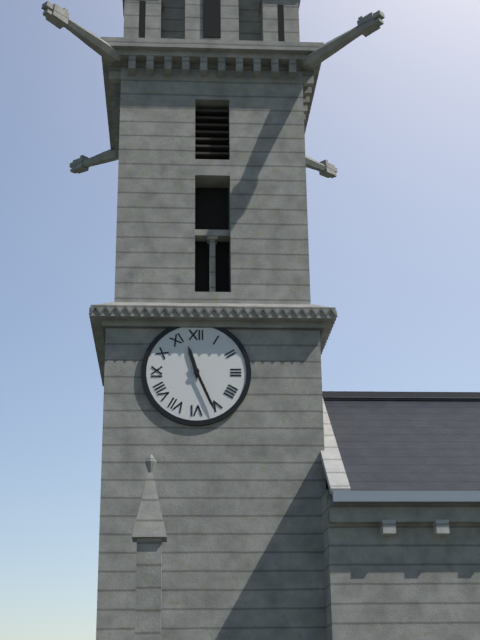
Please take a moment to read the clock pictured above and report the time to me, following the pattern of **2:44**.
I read **11:26**
